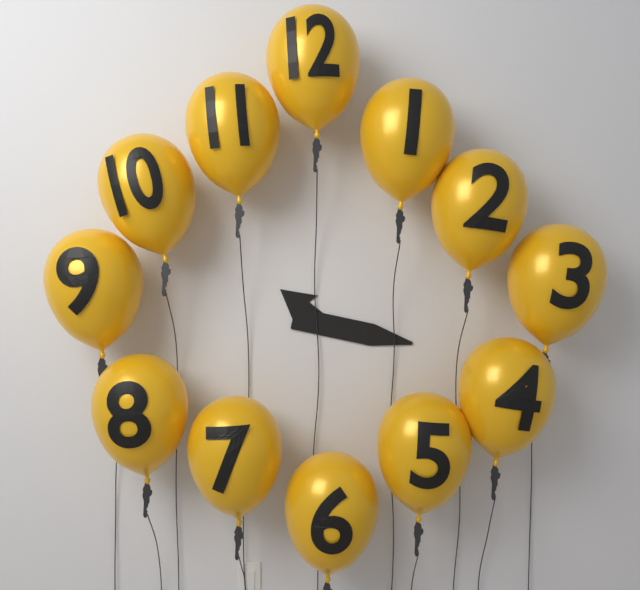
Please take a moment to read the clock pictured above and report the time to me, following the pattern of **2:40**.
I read **10:17**
